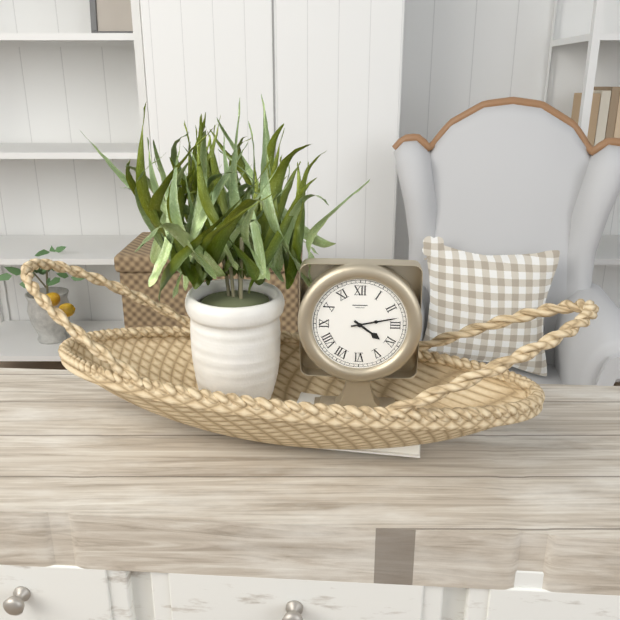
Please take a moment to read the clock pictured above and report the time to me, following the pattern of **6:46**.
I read **4:13**
